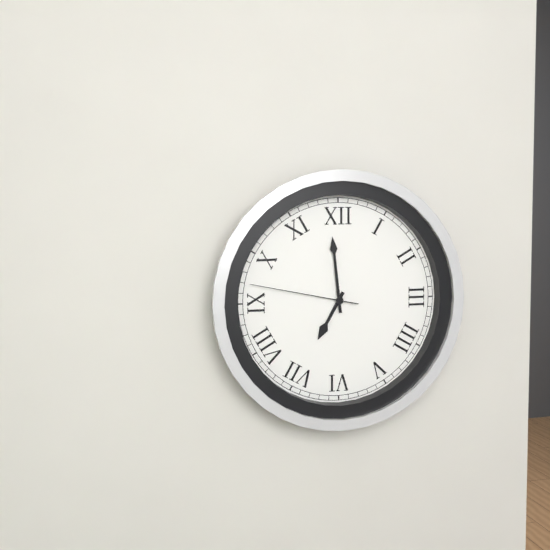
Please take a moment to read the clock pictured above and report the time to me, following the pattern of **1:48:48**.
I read **6:59:47**
